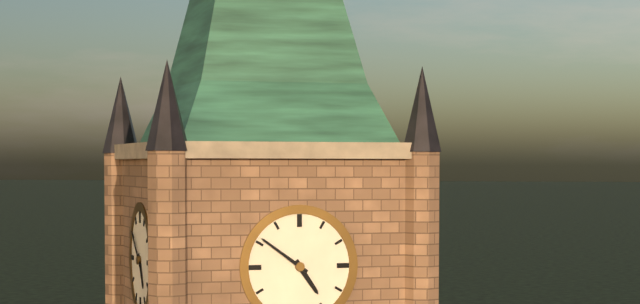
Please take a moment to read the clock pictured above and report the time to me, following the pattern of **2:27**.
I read **4:51**
